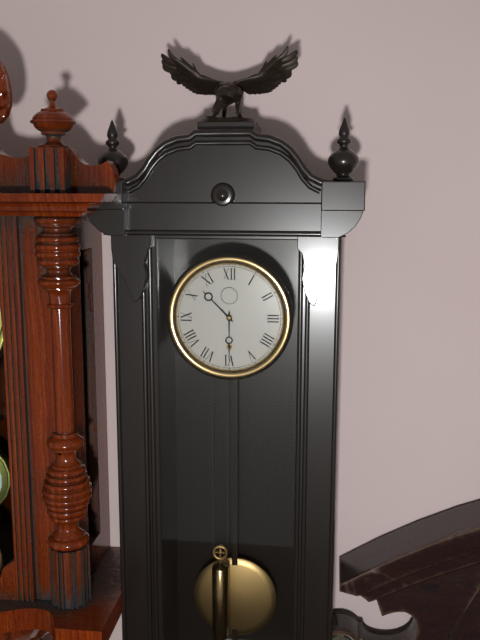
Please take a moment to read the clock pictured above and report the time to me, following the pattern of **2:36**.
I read **10:30**
